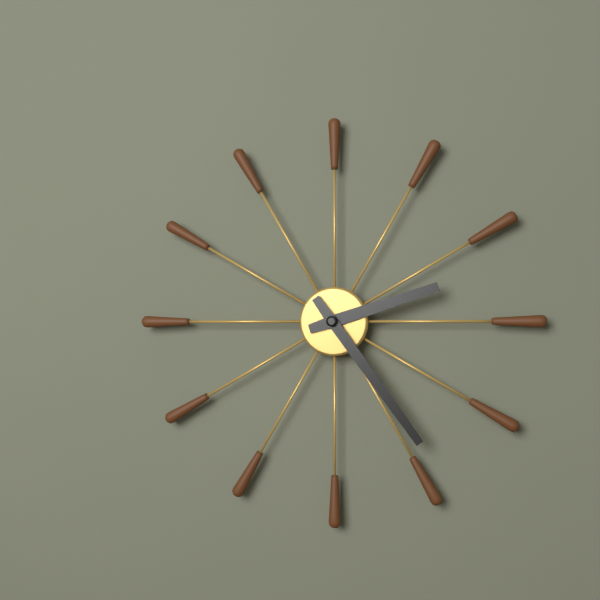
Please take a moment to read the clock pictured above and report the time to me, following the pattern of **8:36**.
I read **2:24**
